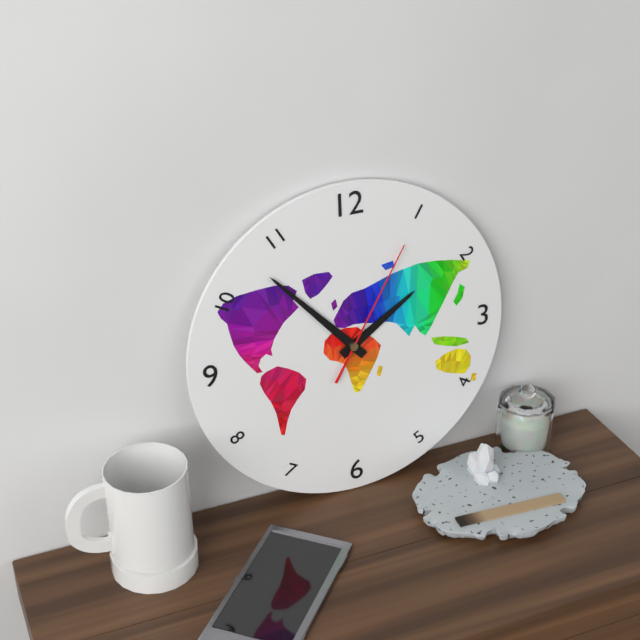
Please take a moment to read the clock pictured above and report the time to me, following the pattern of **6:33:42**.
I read **1:53:05**
